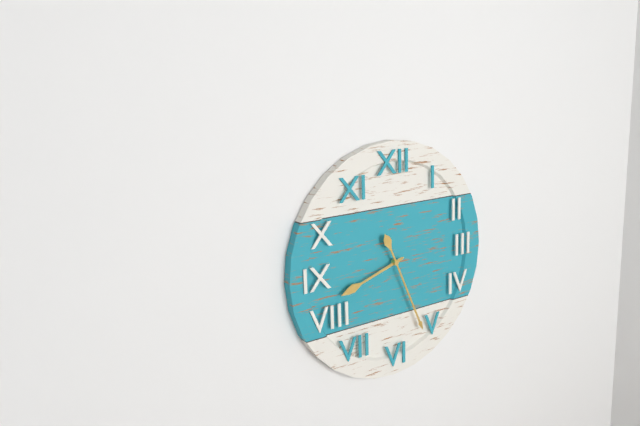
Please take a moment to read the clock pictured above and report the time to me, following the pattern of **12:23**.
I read **8:26**
